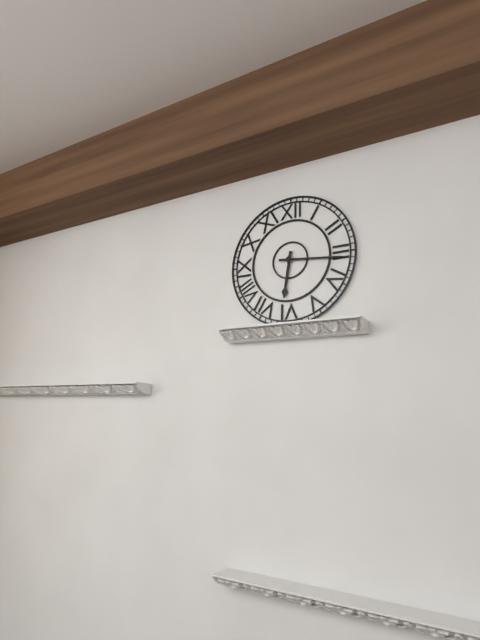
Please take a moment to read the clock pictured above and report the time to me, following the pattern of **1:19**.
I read **6:16**
